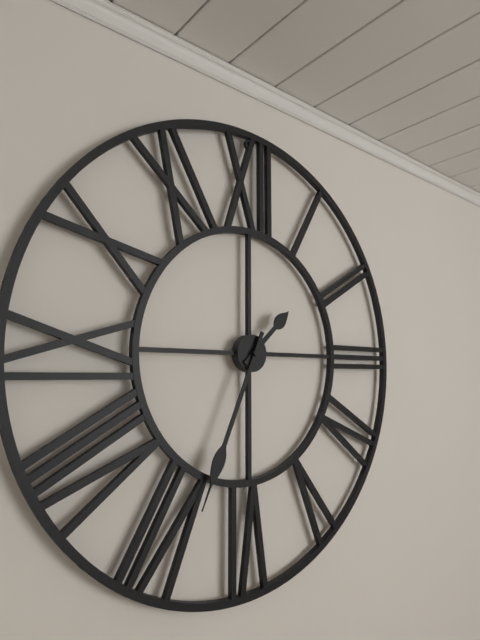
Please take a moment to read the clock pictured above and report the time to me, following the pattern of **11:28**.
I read **1:34**
